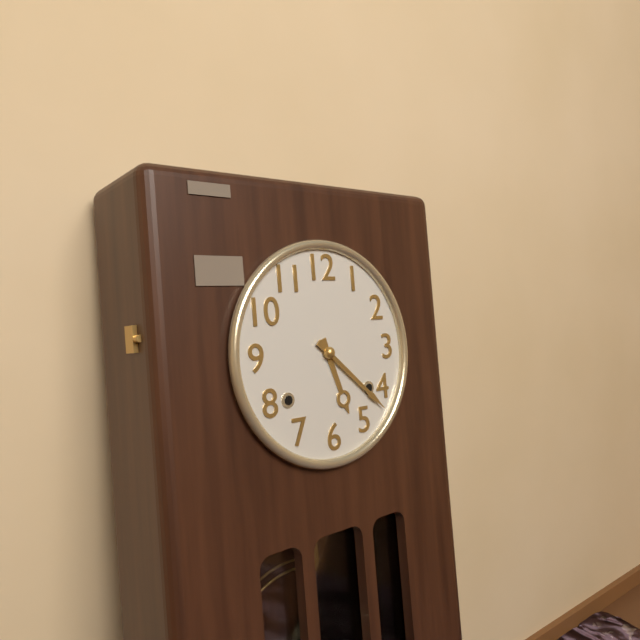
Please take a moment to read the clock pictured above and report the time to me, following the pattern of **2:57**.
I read **5:22**
